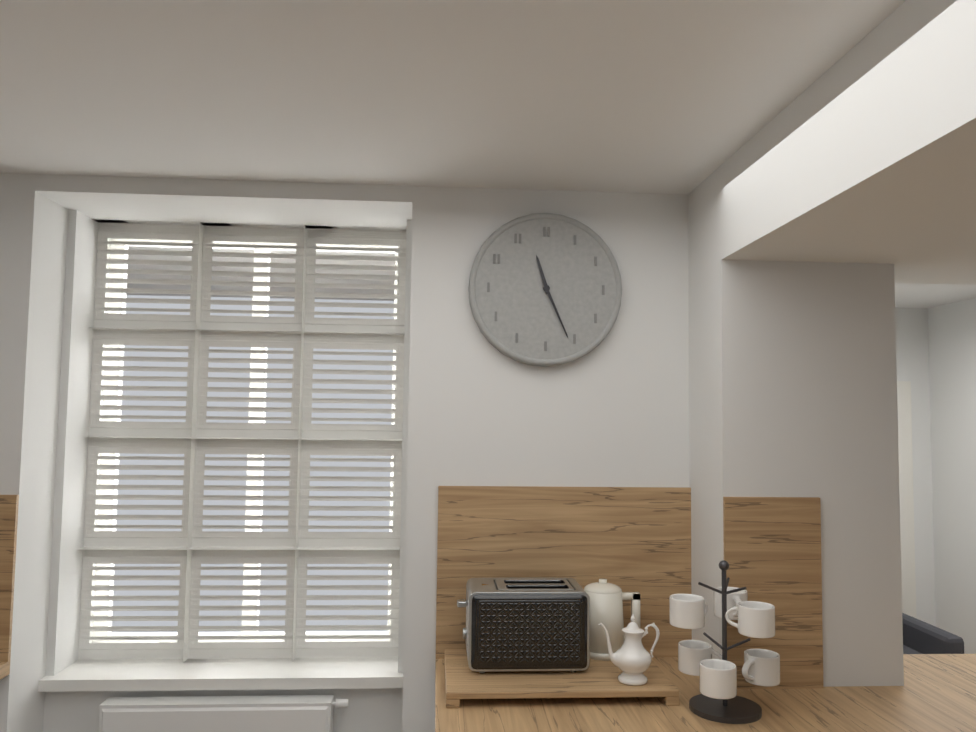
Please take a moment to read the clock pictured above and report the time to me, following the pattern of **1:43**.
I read **11:26**
